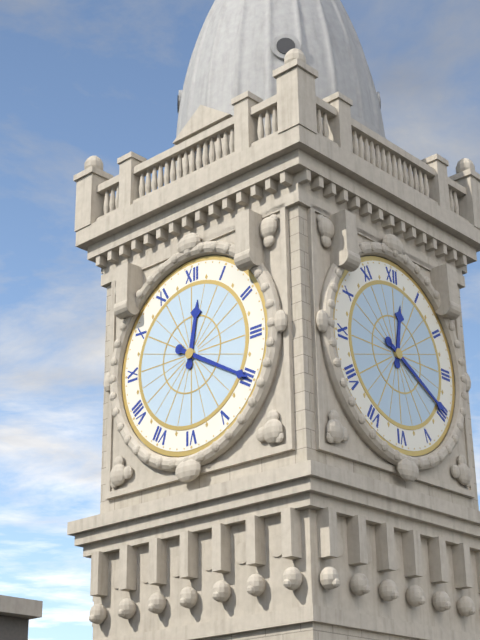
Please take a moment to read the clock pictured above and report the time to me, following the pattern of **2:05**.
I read **12:20**
